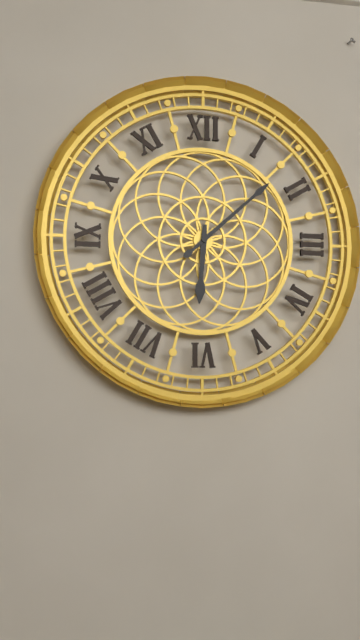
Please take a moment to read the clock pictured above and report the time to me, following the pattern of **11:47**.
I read **6:08**
